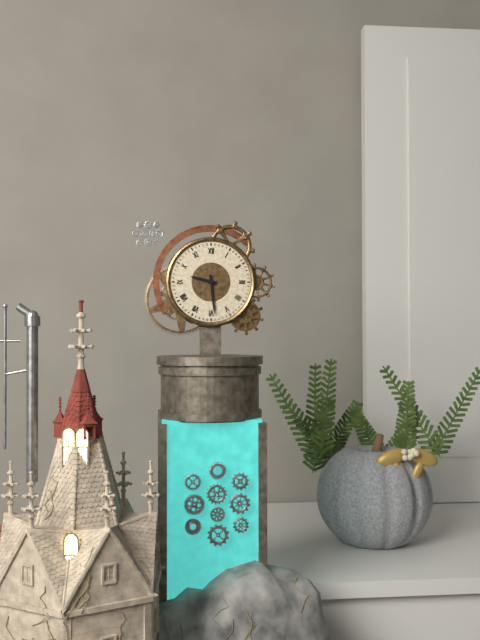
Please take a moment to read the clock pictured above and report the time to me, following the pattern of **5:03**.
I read **9:29**
